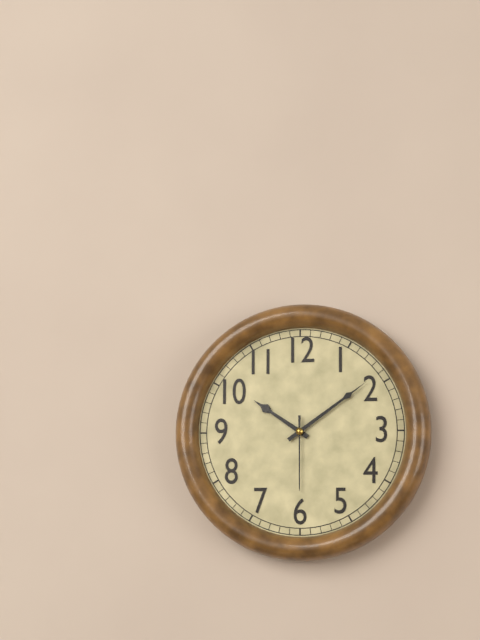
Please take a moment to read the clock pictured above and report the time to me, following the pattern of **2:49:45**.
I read **10:09:30**
